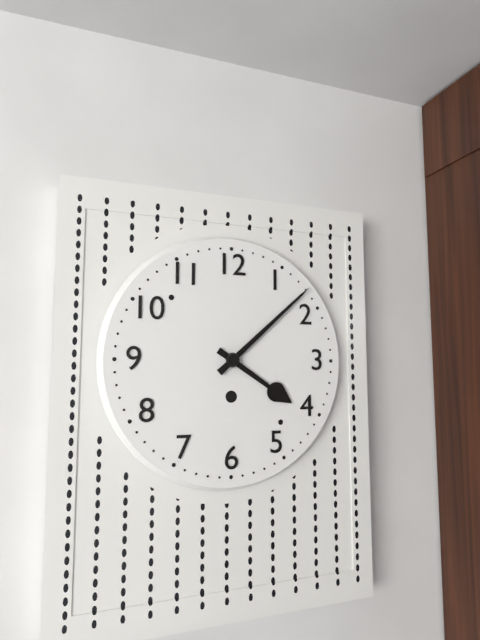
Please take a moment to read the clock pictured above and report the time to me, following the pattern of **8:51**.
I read **4:08**
